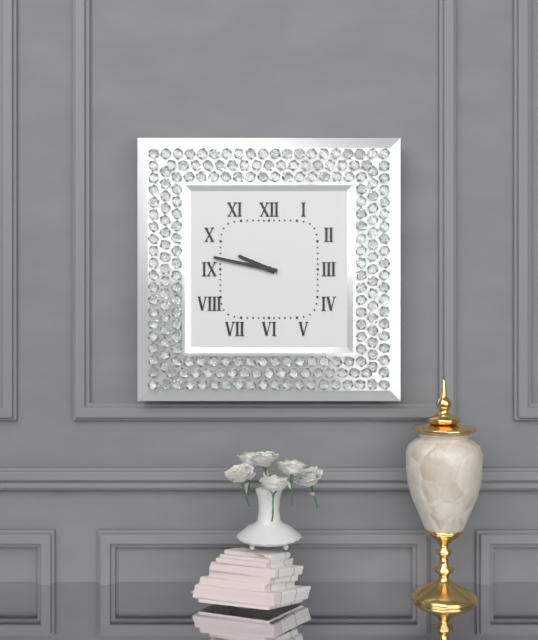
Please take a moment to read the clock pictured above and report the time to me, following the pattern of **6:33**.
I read **9:47**
